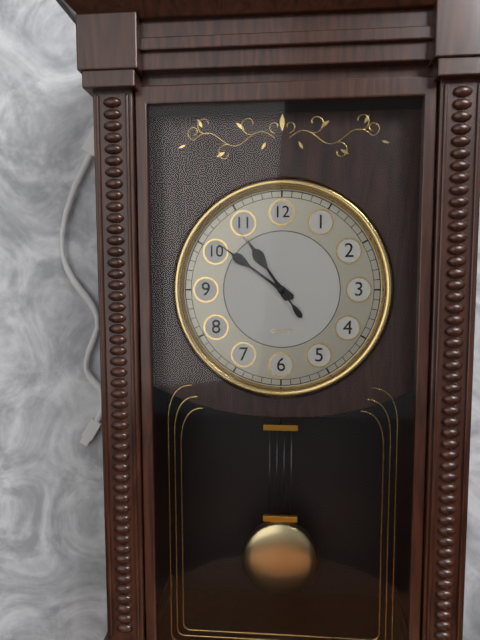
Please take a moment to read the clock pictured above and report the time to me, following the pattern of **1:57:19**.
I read **10:51:54**
